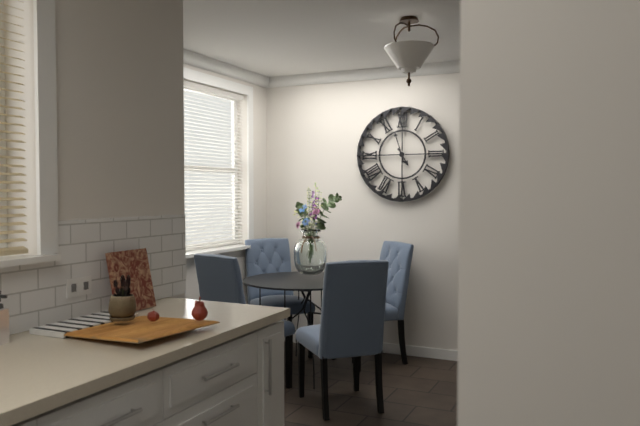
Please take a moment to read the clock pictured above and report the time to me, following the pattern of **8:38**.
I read **4:57**
